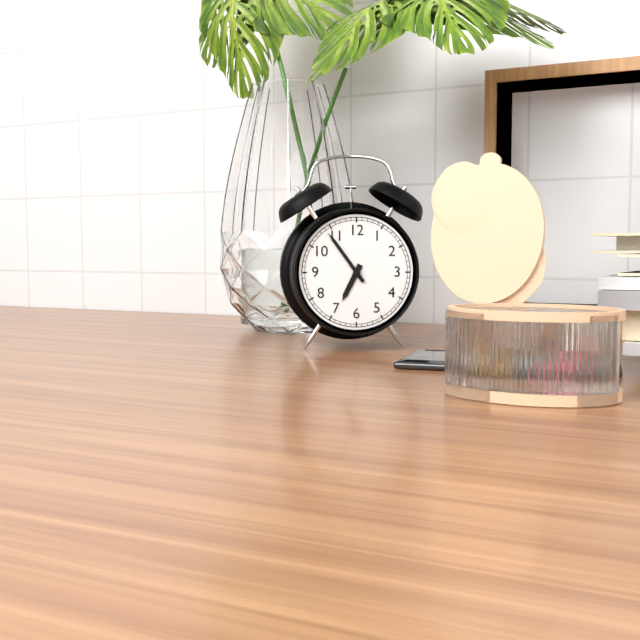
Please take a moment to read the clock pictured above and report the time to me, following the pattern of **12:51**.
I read **6:54**
